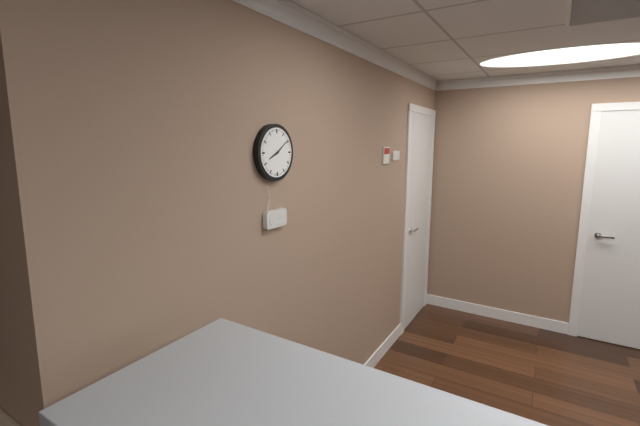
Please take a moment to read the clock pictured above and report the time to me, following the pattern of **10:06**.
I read **8:09**
